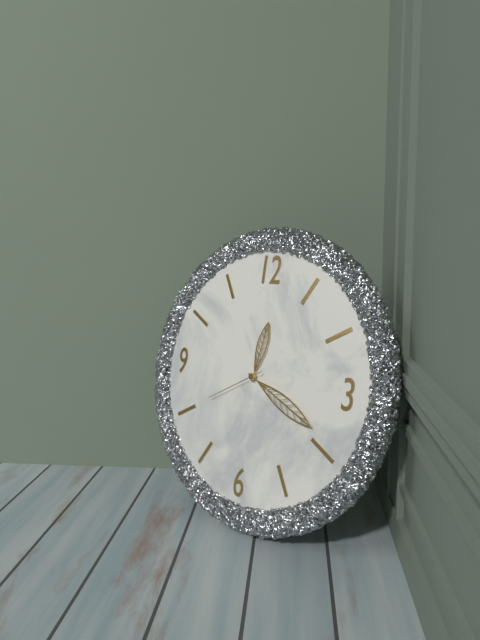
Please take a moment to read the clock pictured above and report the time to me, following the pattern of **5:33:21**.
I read **12:19:40**
